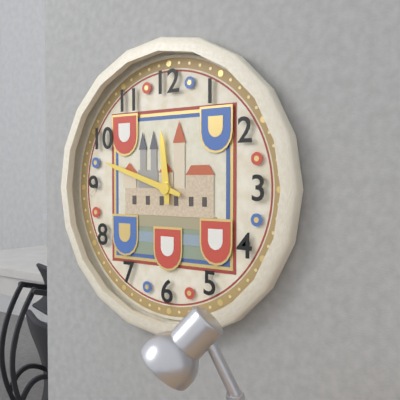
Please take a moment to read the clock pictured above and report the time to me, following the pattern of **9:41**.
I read **11:48**
